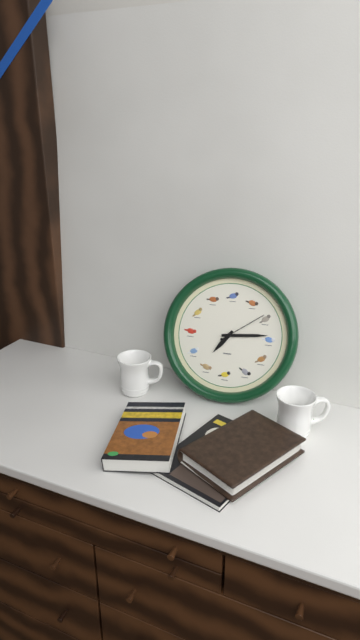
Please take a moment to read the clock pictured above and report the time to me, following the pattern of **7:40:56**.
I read **7:14:09**
